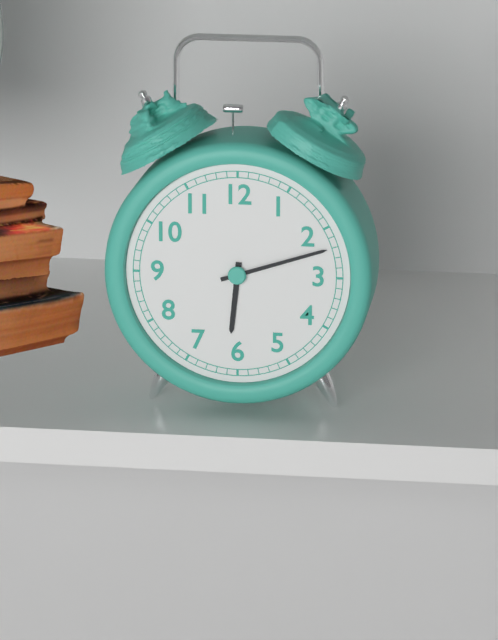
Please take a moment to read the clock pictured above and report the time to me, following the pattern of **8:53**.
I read **6:12**
